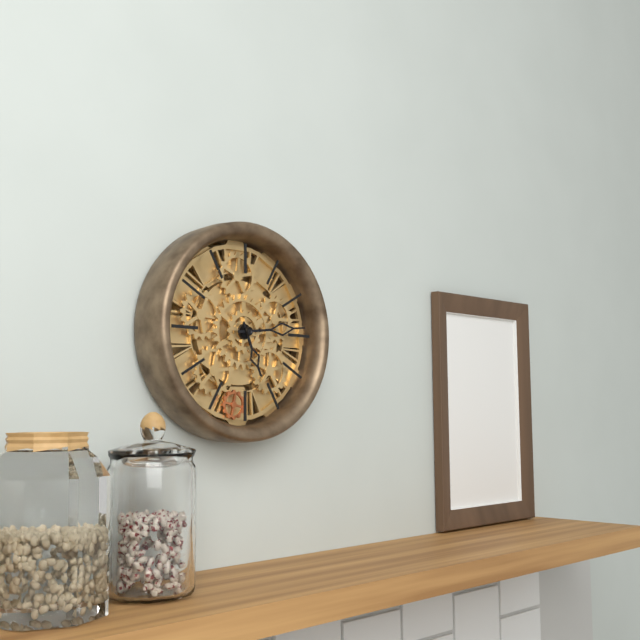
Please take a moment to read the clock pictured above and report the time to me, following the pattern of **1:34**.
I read **5:14**
